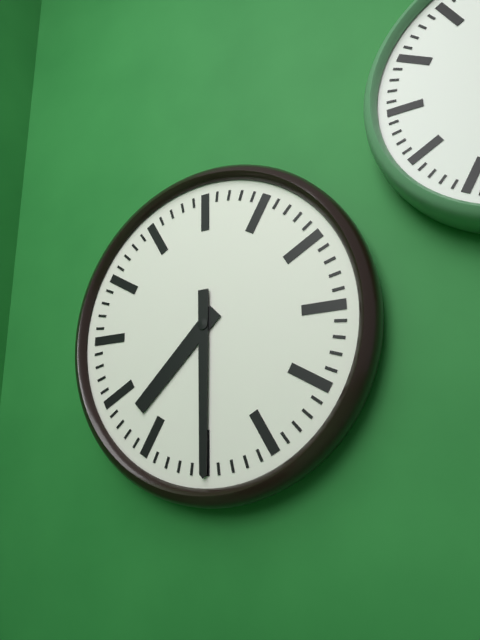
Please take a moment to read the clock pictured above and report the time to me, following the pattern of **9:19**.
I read **7:30**
